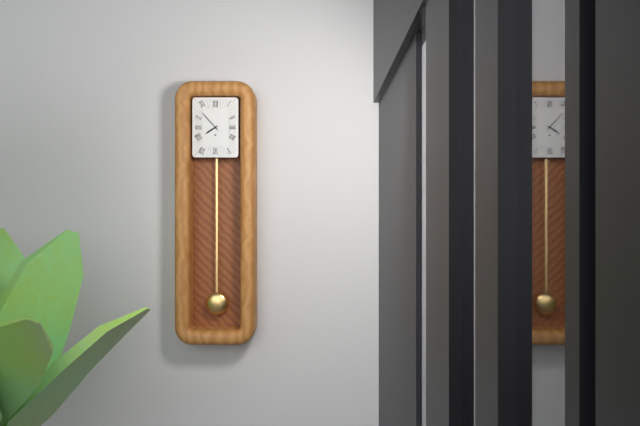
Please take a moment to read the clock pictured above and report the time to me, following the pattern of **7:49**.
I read **7:53**
